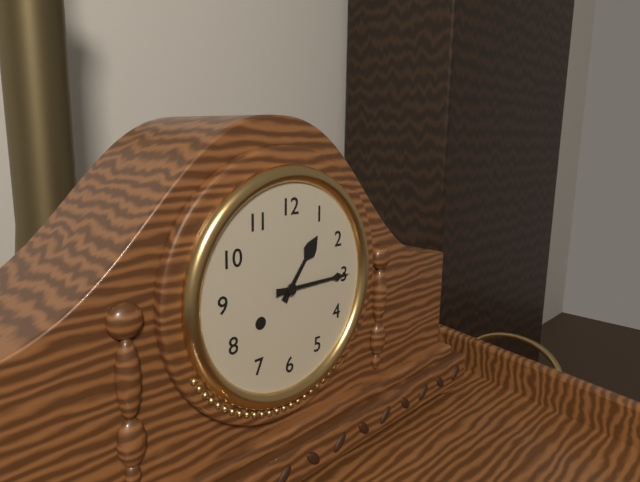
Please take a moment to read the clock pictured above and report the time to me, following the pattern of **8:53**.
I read **1:15**
